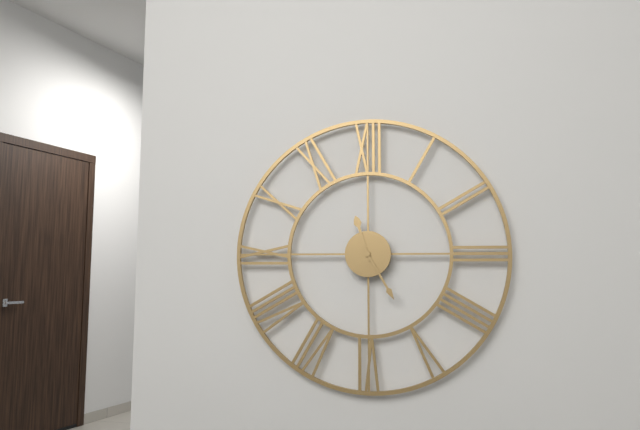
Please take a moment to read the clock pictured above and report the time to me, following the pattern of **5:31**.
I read **11:25**
